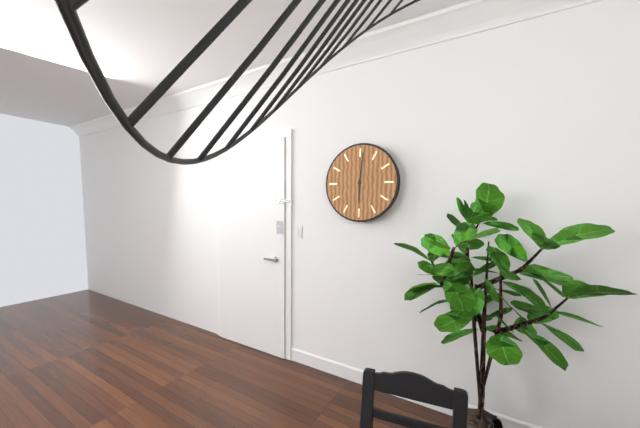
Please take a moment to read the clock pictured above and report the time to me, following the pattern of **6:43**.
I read **6:01**
